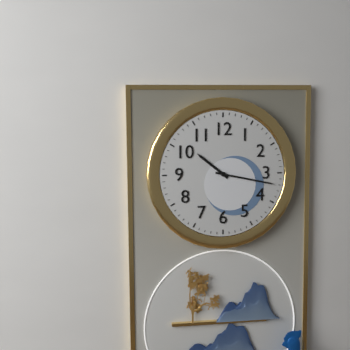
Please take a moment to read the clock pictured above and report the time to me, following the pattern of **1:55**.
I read **10:17**
